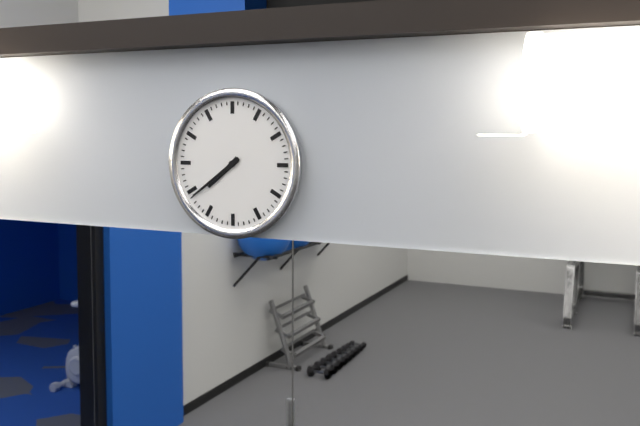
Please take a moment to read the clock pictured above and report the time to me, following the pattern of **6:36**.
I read **7:39**
